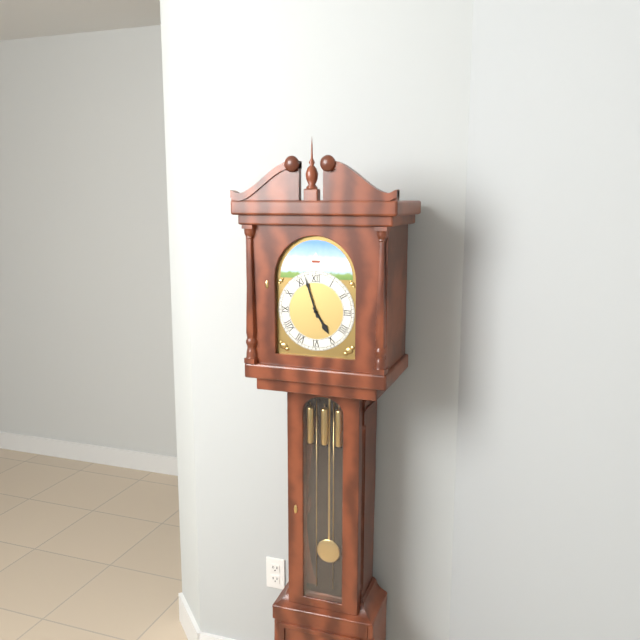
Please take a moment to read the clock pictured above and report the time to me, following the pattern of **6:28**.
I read **4:57**
